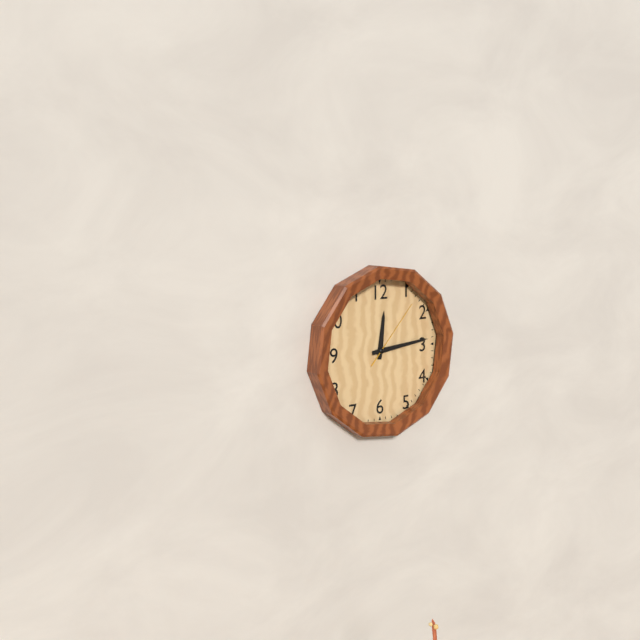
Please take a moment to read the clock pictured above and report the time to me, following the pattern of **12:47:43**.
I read **12:14:07**
